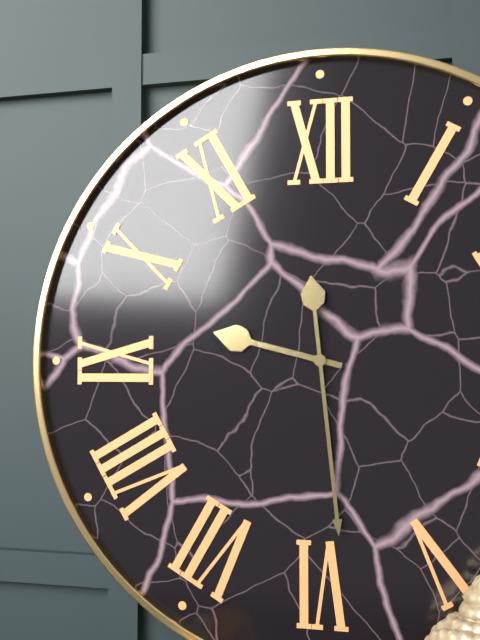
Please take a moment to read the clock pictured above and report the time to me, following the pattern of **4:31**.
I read **9:29**
